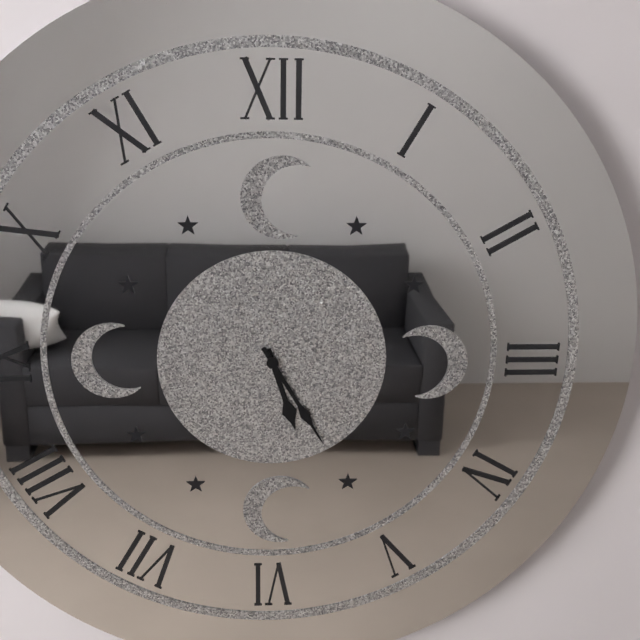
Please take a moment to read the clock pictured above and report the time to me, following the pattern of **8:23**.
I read **5:25**
